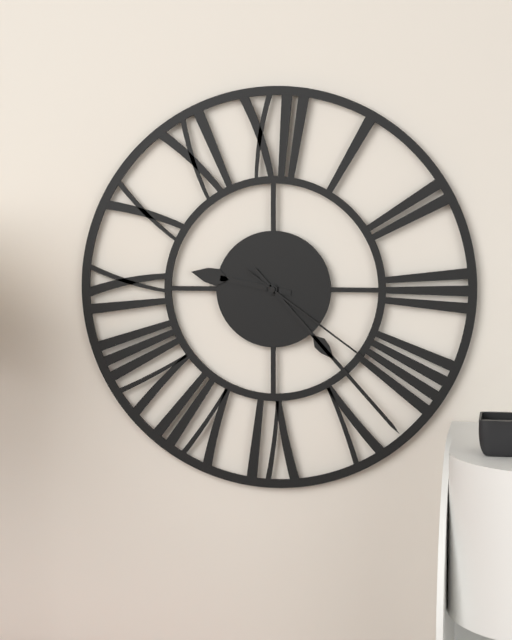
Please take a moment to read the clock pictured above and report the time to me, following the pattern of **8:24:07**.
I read **9:23:21**
